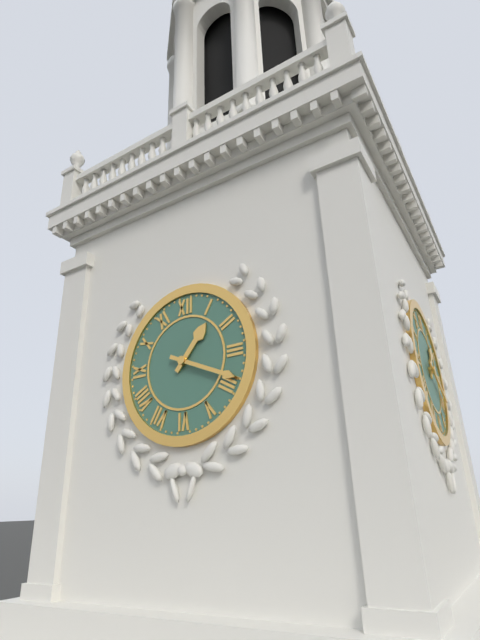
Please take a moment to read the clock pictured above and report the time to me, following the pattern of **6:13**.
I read **1:19**
